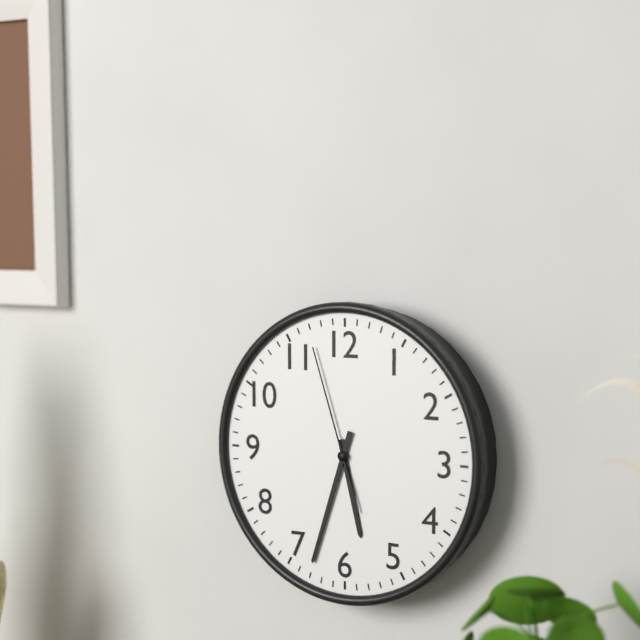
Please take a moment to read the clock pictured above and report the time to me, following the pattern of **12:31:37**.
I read **5:33:57**
